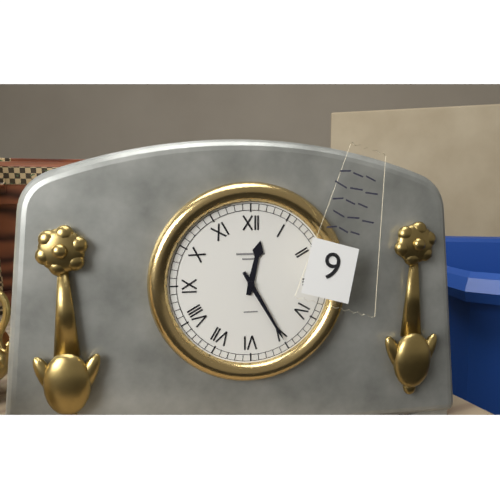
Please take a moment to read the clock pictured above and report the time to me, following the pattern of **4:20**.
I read **12:25**
